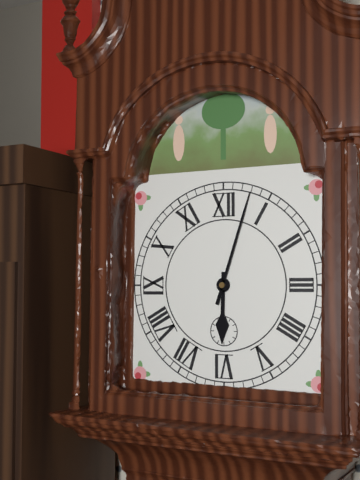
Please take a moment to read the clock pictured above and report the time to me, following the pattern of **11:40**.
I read **6:03**
